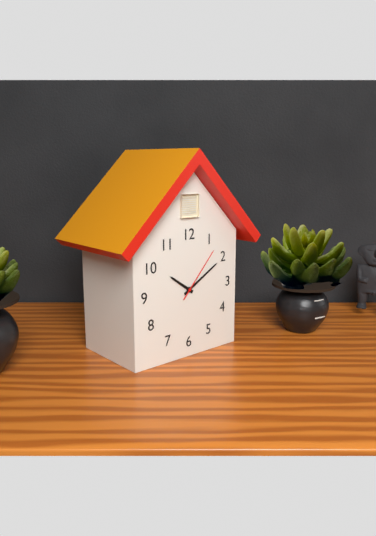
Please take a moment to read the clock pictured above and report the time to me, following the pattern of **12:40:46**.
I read **10:10:07**
